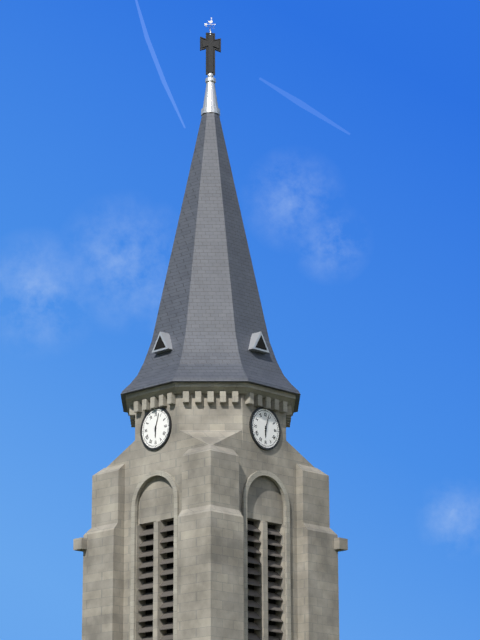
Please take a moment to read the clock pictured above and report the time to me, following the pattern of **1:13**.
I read **6:03**
